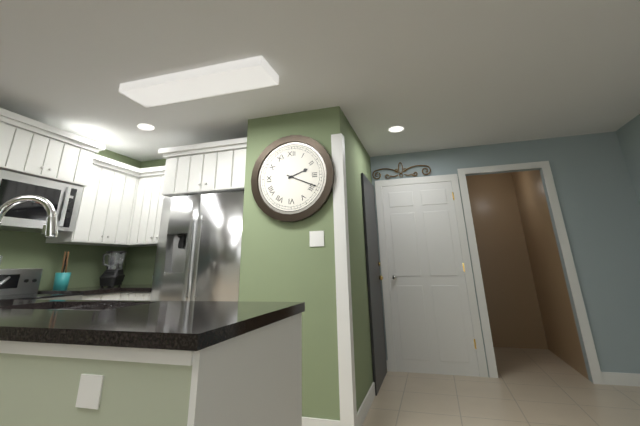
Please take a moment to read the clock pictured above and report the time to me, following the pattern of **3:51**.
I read **2:19**
